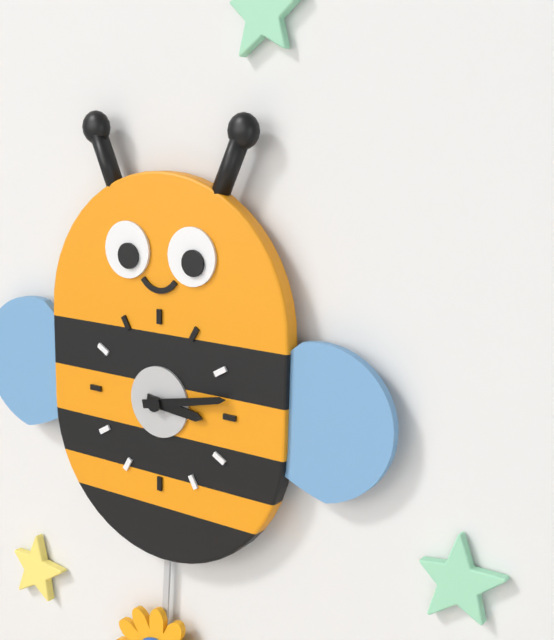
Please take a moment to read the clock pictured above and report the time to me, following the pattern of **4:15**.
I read **3:13**
